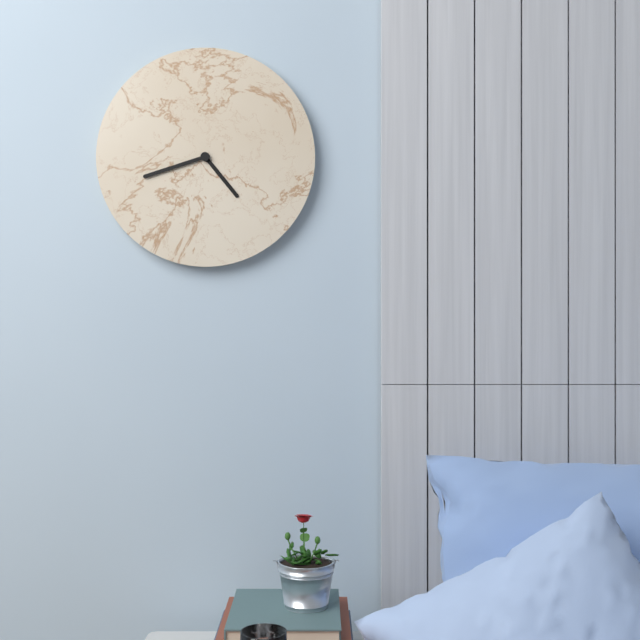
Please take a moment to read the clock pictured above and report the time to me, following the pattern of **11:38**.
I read **4:42**
